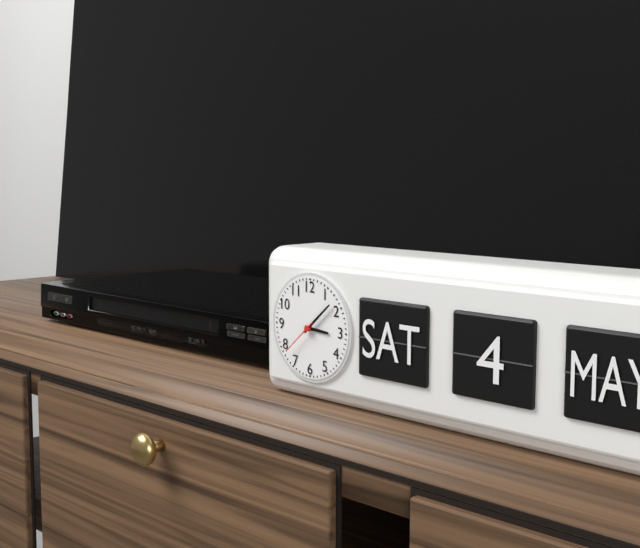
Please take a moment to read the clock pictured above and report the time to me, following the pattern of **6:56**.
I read **3:08**
